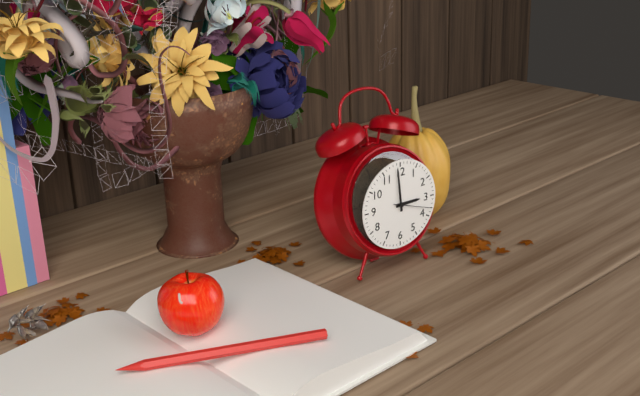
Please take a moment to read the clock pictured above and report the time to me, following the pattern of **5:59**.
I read **2:59**
